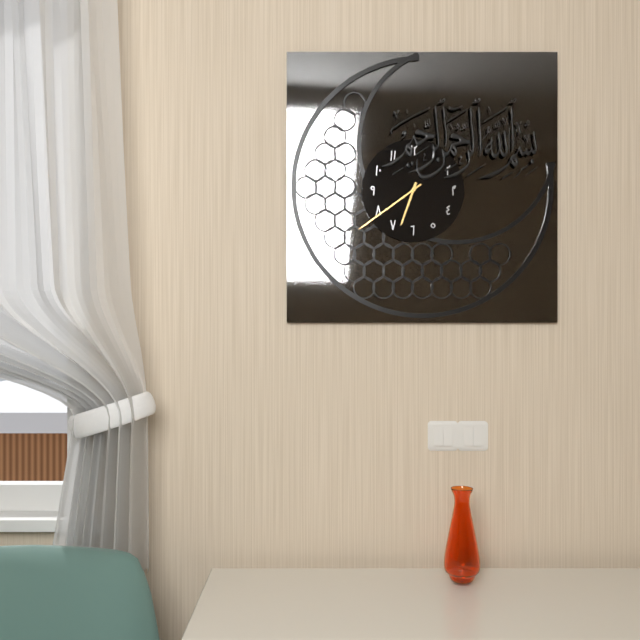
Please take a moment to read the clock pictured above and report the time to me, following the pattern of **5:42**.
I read **6:39**
